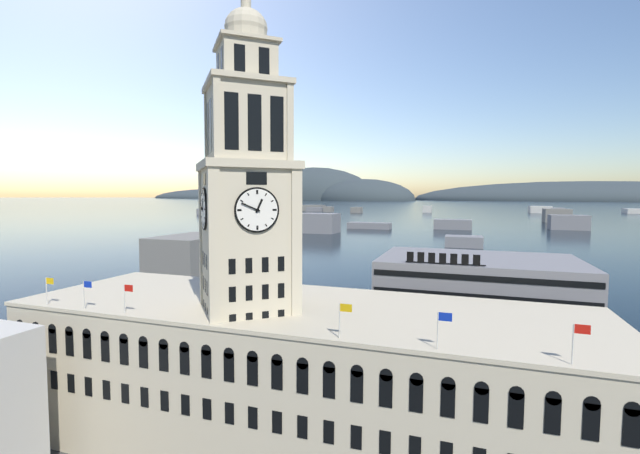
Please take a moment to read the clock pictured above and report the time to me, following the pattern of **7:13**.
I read **12:49**
